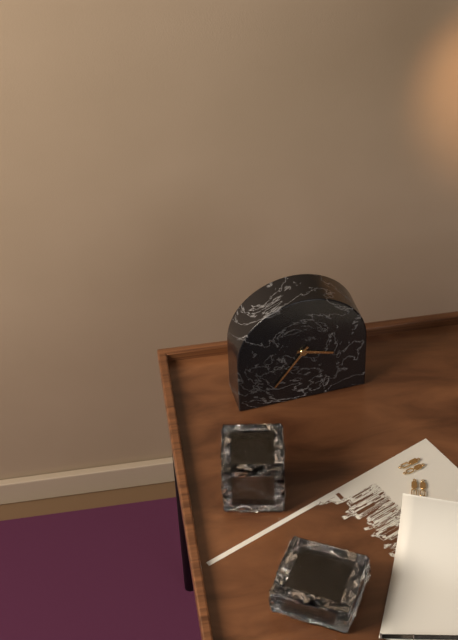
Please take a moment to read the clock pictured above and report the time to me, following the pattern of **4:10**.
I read **3:36**
